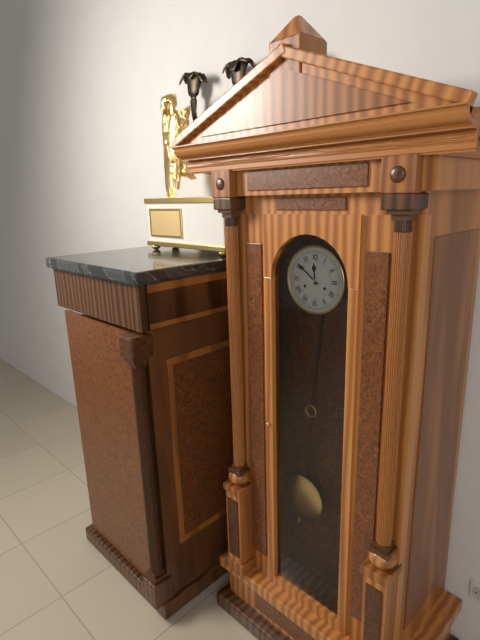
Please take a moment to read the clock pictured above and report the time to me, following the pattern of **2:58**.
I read **11:51**
